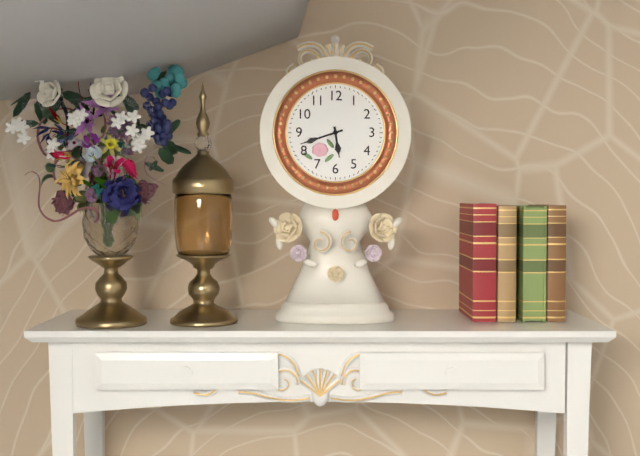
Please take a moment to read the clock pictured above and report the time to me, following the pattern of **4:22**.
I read **5:42**
